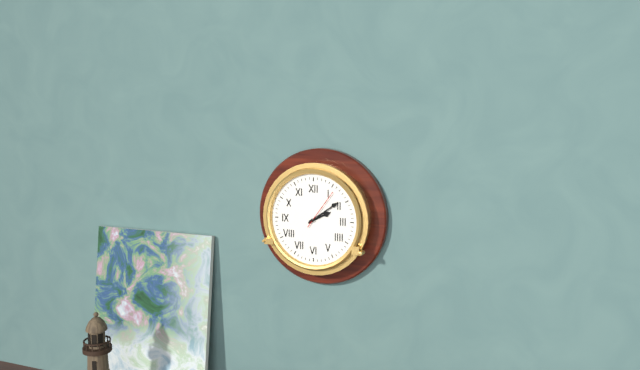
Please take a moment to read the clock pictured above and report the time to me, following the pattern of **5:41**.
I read **2:09**
